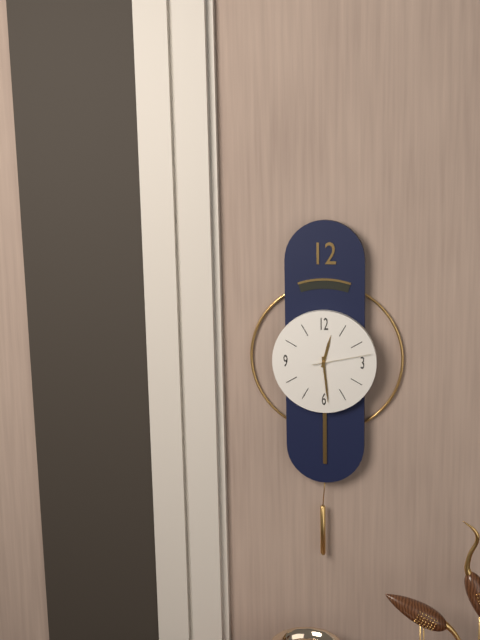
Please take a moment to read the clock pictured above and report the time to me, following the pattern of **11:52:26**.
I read **12:29:13**
